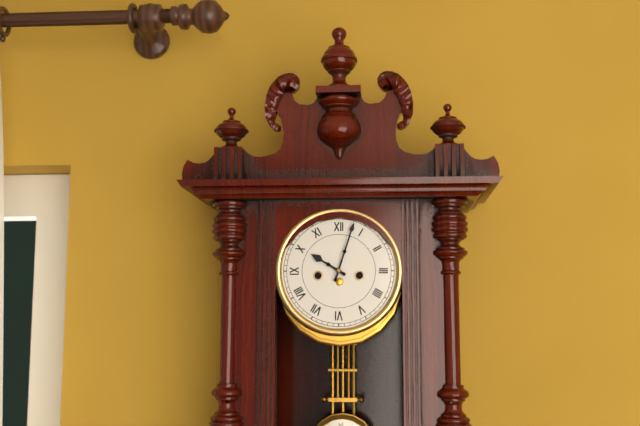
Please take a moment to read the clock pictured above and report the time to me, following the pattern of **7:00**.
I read **10:03**
